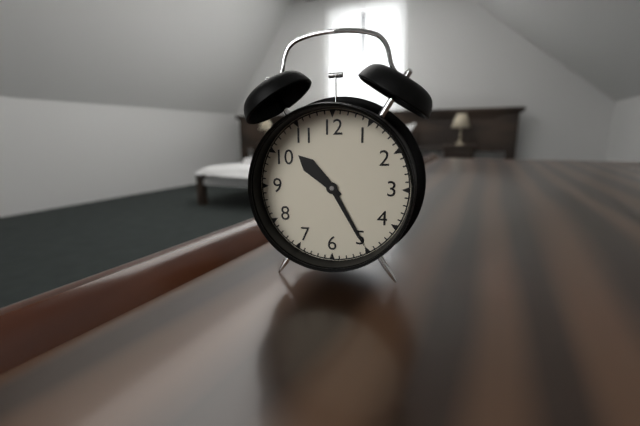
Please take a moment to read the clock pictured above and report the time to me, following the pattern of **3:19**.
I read **10:25**
